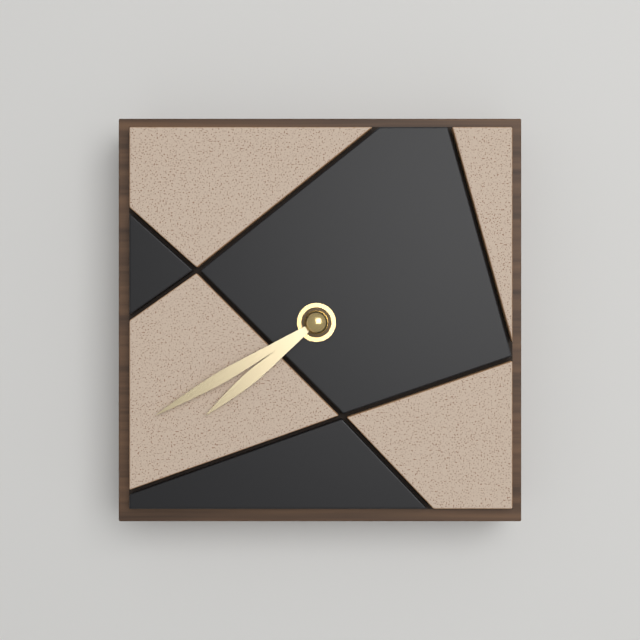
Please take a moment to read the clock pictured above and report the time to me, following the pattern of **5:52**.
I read **7:40**
